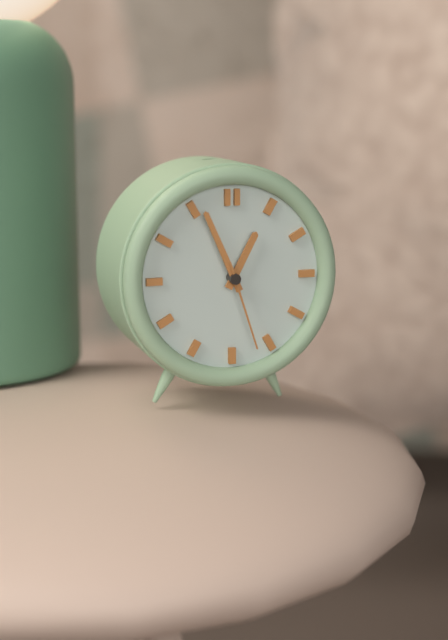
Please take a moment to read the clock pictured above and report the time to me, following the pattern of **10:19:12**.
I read **12:56:27**
